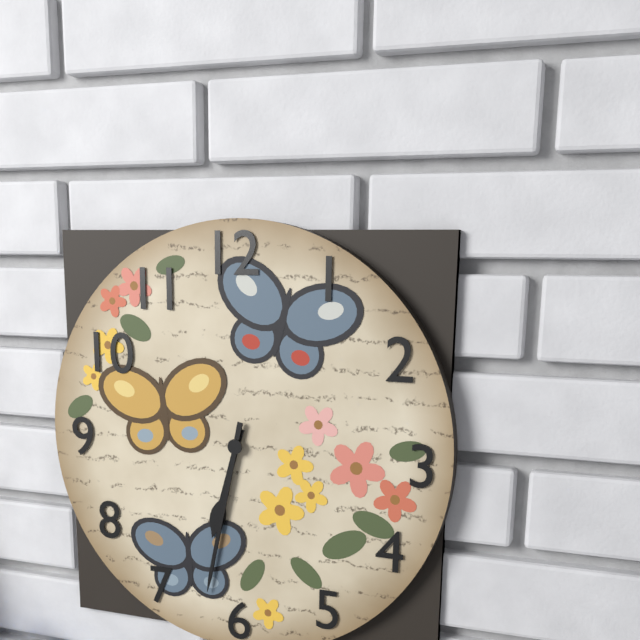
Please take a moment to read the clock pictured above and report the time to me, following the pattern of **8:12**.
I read **6:32**
